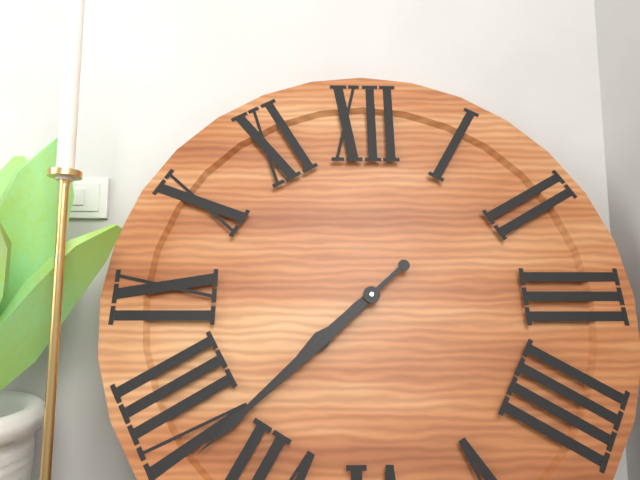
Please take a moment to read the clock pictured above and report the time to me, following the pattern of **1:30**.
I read **7:38**
